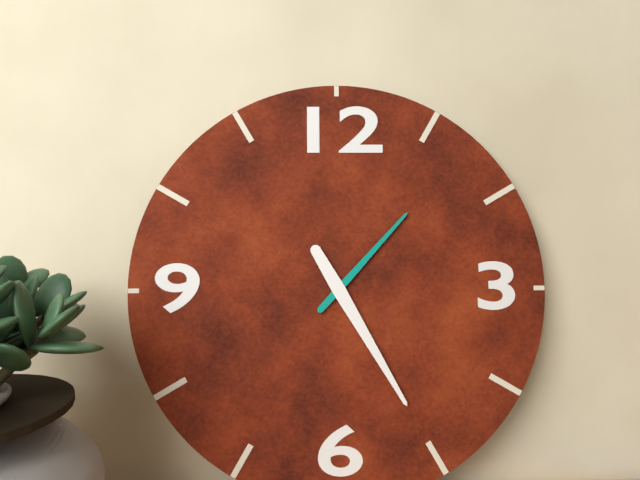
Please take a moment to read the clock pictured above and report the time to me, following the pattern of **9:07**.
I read **1:25**
